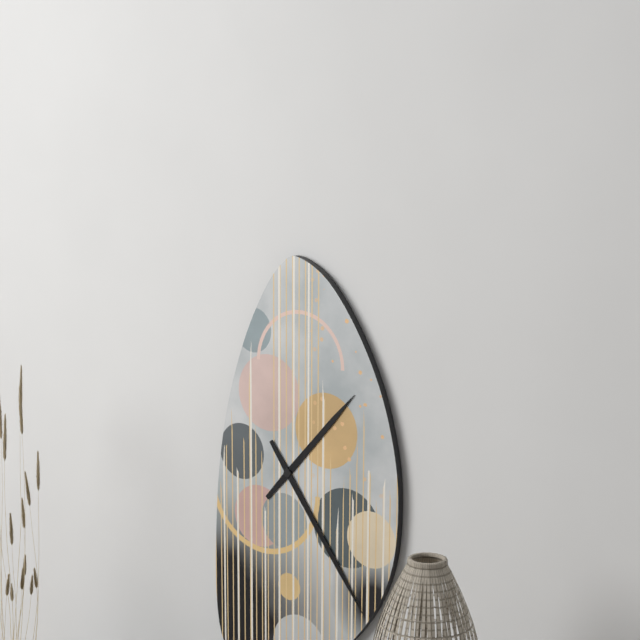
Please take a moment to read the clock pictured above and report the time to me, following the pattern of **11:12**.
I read **1:24**
